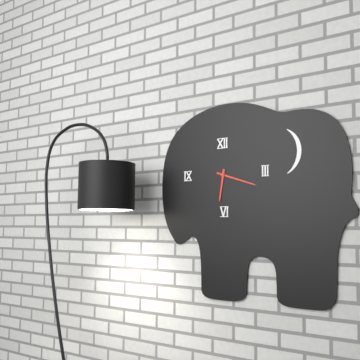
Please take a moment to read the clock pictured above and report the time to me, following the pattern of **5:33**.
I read **6:18**
